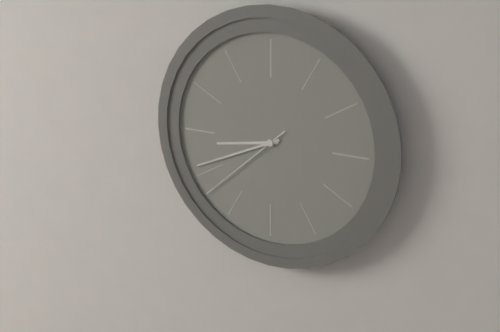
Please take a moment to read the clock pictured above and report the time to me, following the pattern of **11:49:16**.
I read **8:41:38**
